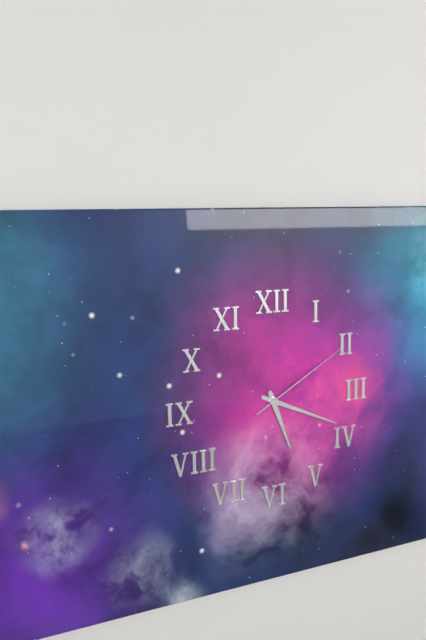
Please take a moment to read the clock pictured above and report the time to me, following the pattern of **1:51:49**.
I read **5:19:10**
